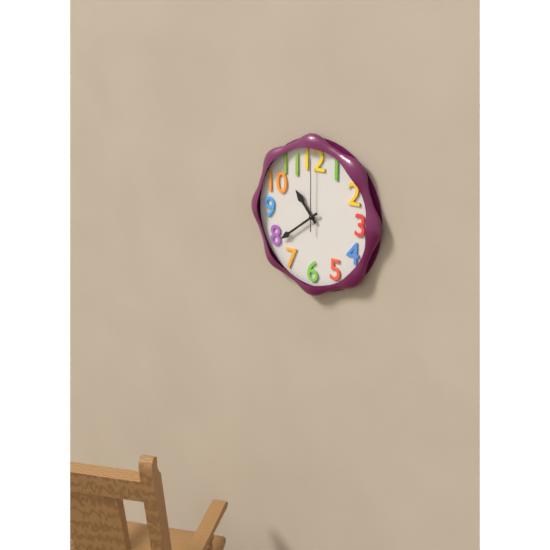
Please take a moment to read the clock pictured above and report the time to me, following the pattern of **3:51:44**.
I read **10:39:00**
